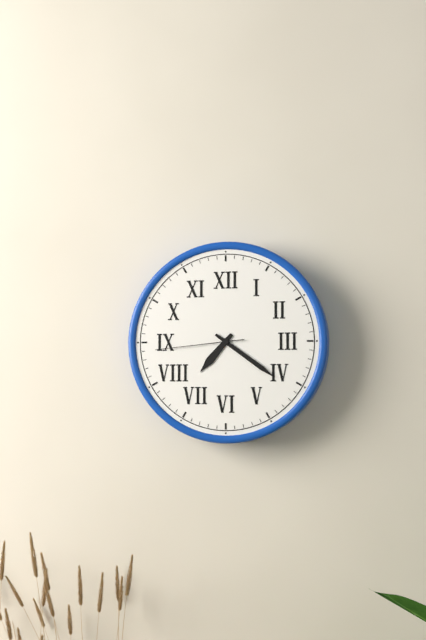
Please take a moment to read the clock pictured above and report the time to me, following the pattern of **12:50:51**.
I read **7:21:44**
